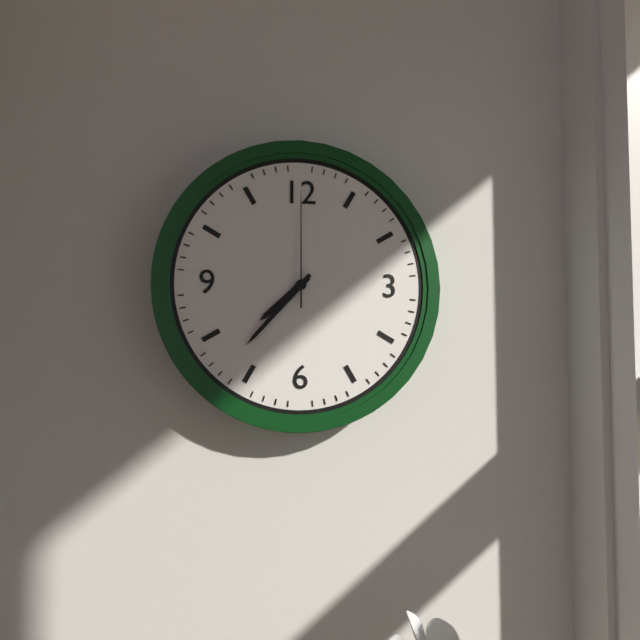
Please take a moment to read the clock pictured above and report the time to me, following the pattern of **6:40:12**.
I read **7:37:00**
